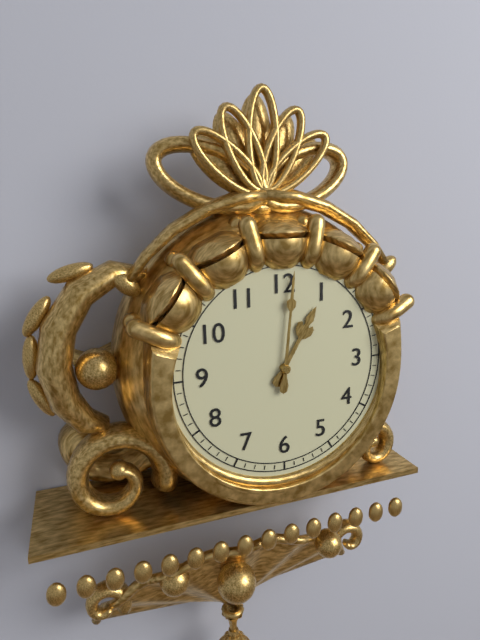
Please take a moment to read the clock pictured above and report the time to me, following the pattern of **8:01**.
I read **1:01**
